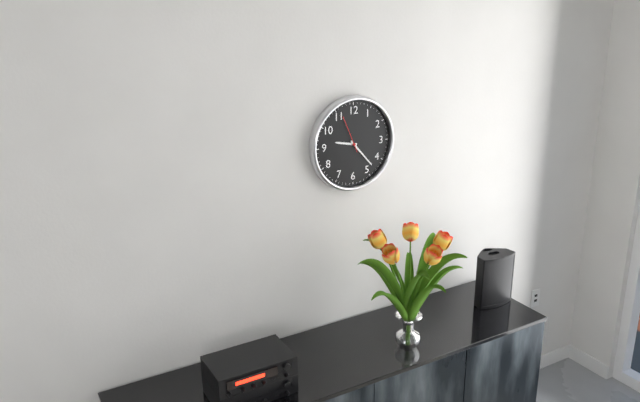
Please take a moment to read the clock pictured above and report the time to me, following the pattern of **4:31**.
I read **9:23**
